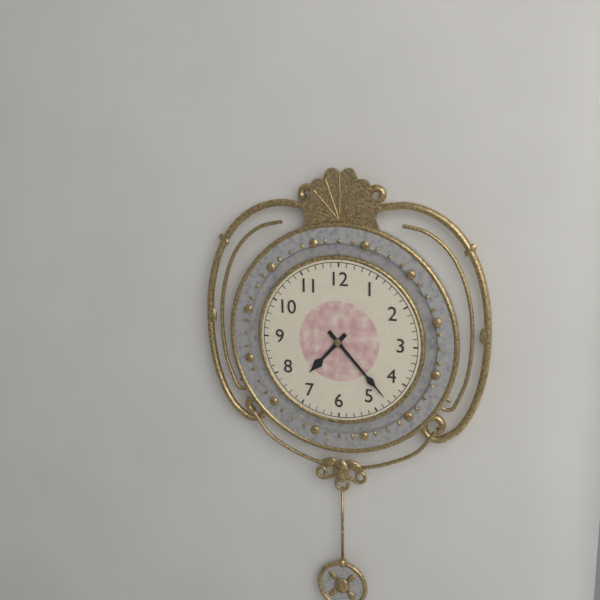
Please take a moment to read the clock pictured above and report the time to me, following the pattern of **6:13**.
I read **7:23**
